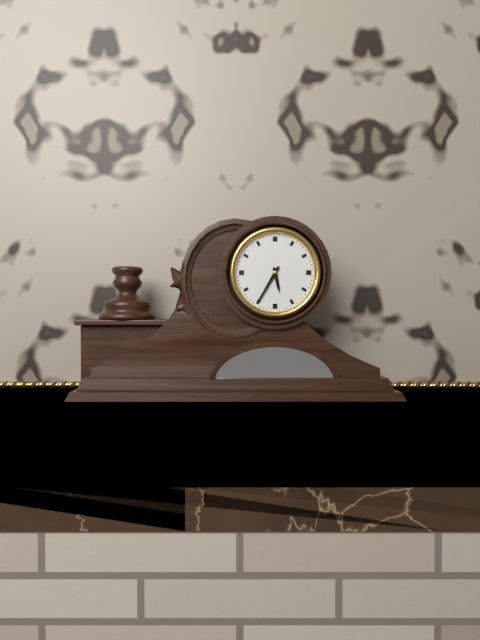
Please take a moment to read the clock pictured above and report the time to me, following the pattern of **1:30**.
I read **5:35**
